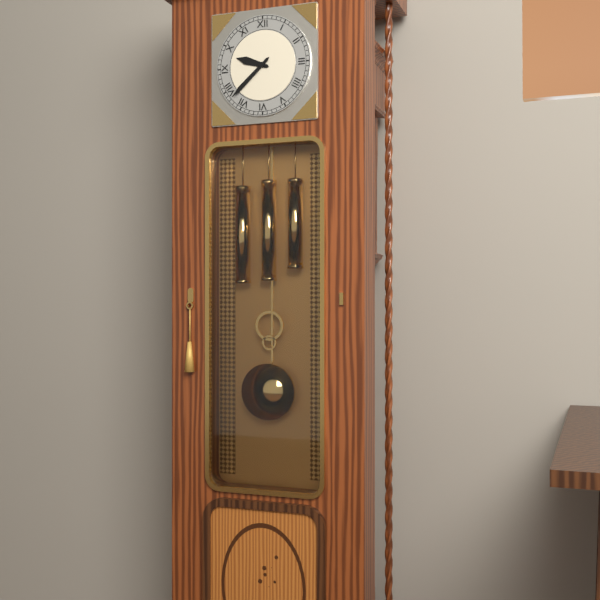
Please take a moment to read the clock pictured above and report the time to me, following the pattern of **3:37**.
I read **9:38**
